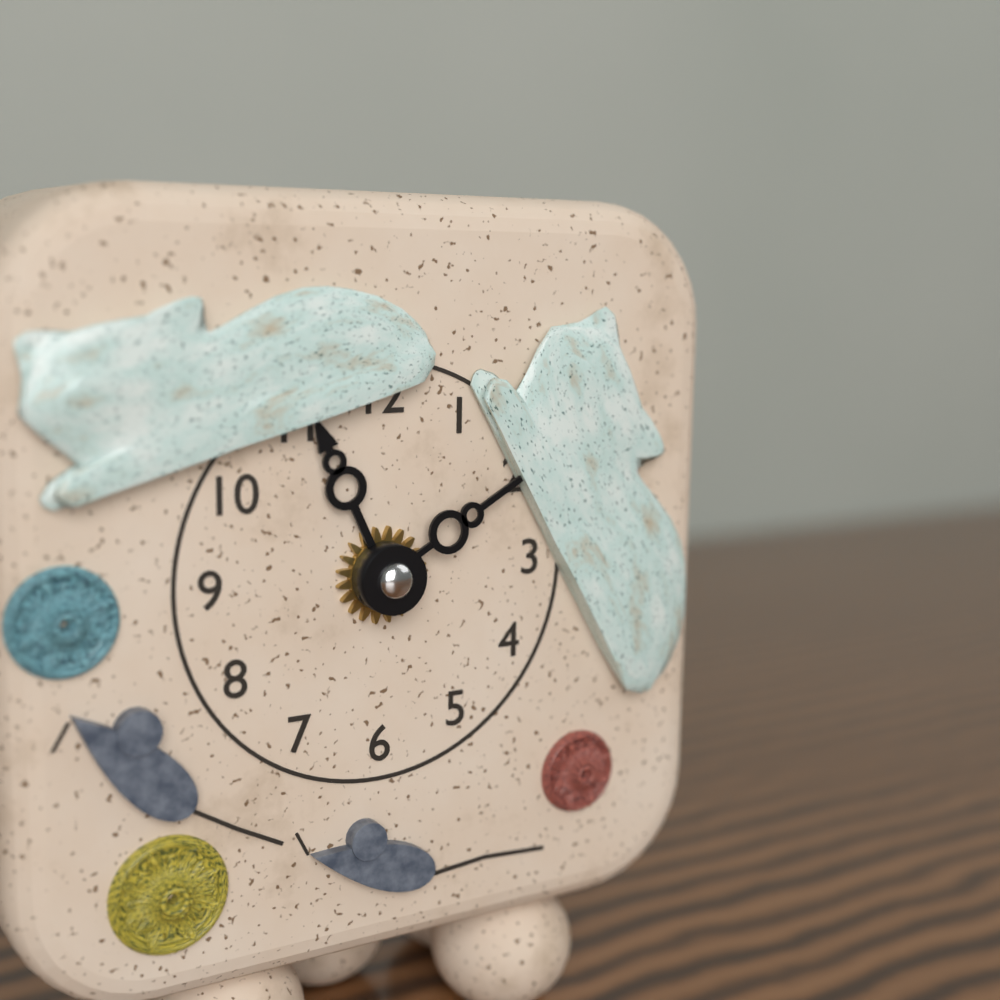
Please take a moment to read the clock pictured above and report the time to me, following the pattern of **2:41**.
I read **11:10**
